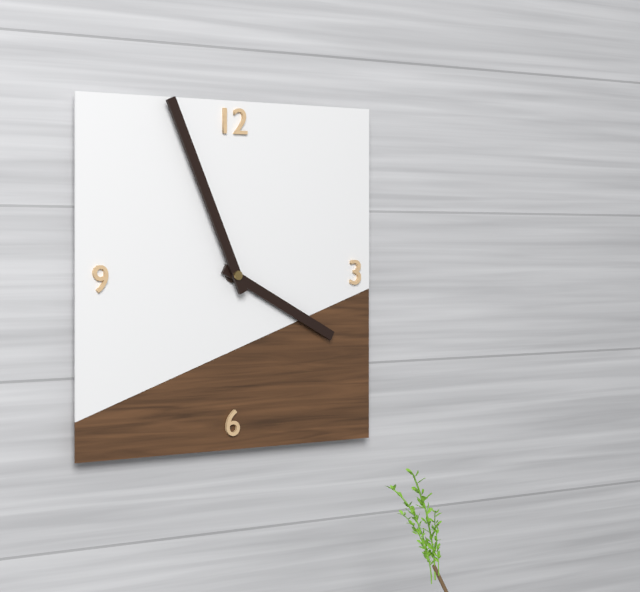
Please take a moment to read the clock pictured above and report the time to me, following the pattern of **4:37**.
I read **3:56**
